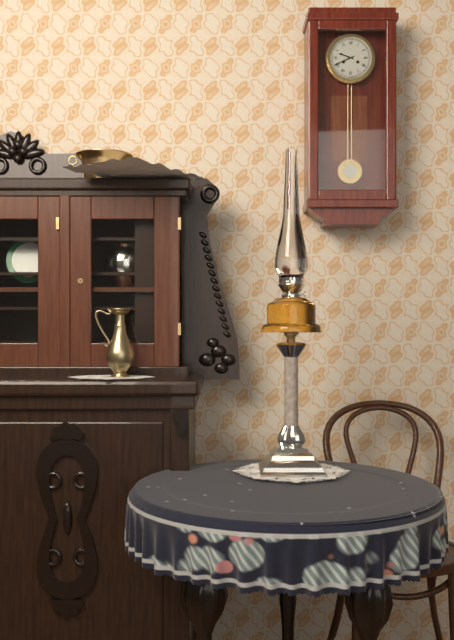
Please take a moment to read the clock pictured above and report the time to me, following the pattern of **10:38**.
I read **9:41**
